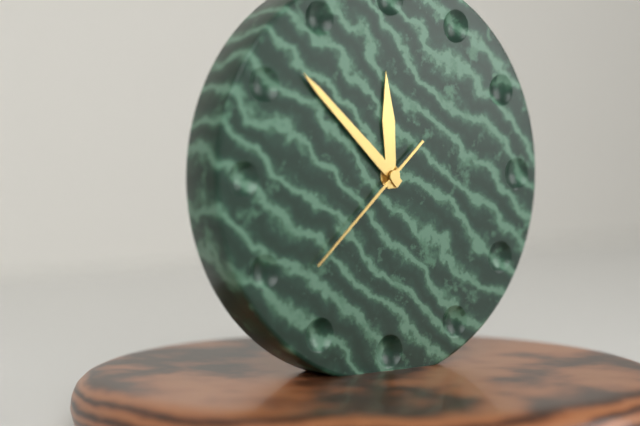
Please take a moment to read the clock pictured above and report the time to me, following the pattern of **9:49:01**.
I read **11:52:38**
